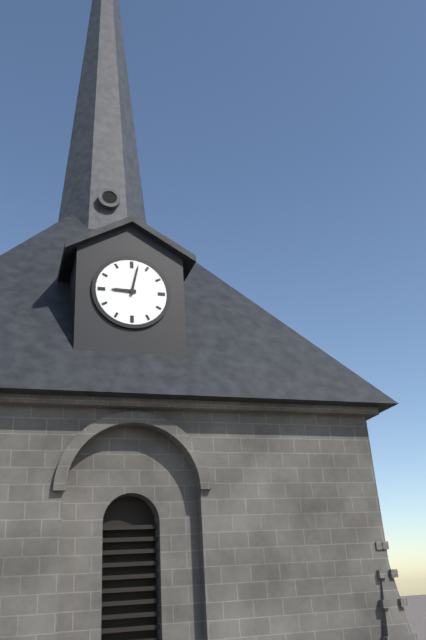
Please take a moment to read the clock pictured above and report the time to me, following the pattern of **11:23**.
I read **9:02**
